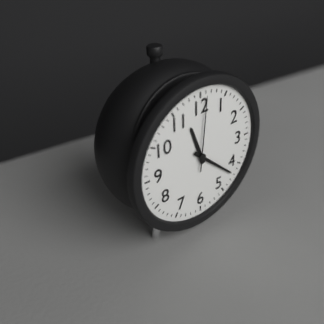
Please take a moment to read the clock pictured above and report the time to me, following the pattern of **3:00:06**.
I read **11:22:01**
